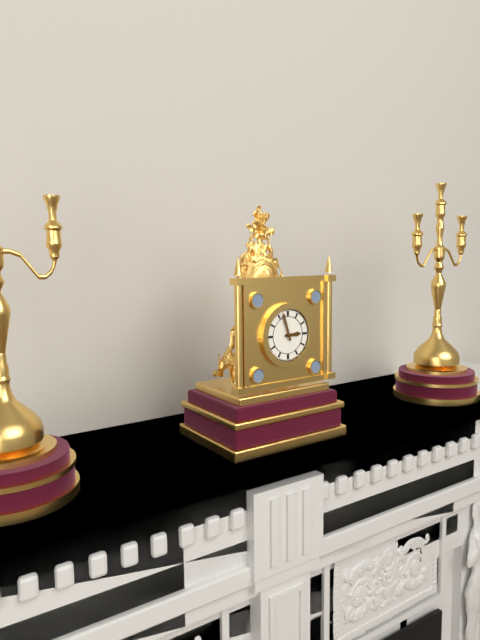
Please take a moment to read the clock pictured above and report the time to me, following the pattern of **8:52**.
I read **2:57**
